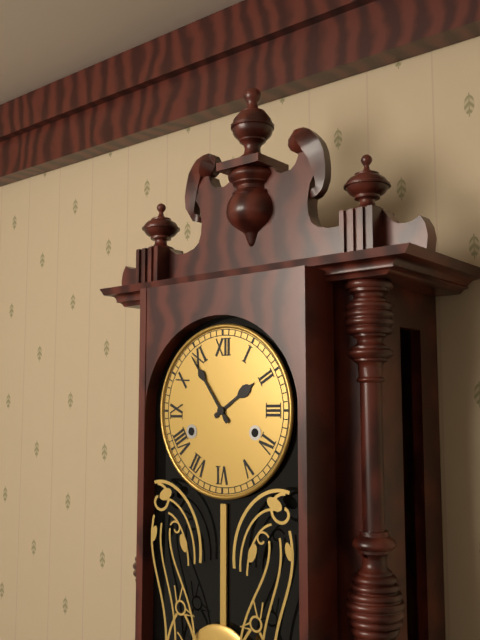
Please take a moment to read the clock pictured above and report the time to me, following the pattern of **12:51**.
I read **1:54**
